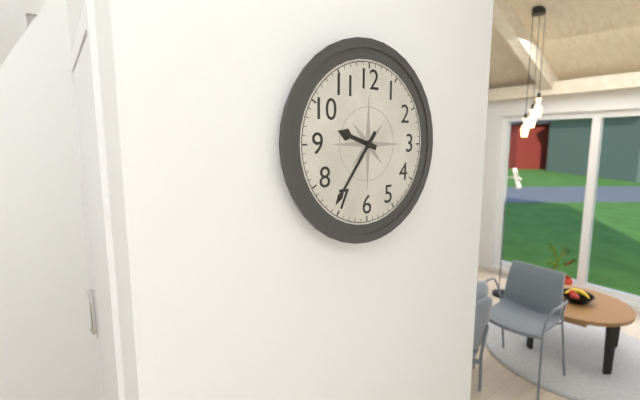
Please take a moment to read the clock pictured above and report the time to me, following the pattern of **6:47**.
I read **9:36**
